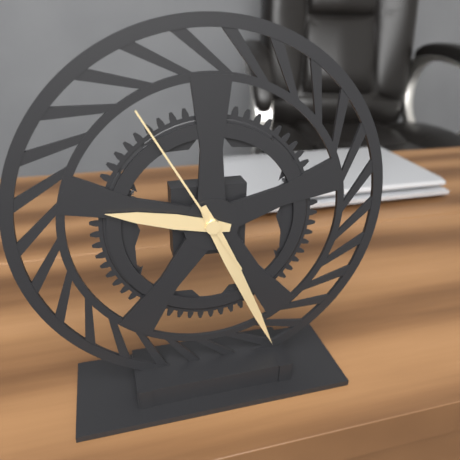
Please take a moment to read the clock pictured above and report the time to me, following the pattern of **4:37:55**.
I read **9:26:55**
